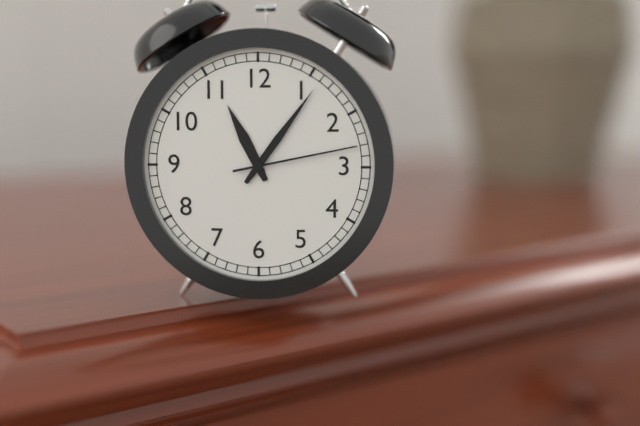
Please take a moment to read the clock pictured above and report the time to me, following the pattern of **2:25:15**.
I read **11:06:13**
